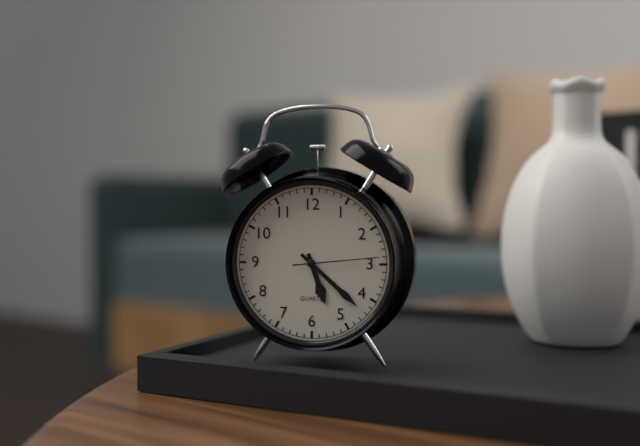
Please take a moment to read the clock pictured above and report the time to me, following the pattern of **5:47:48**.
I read **5:22:14**
